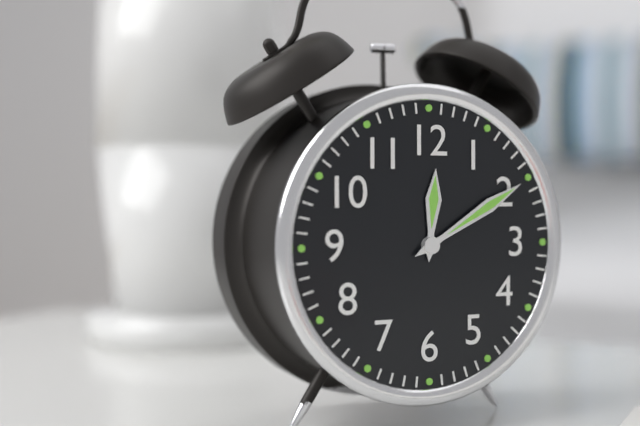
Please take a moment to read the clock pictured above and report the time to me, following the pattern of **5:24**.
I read **12:10**
